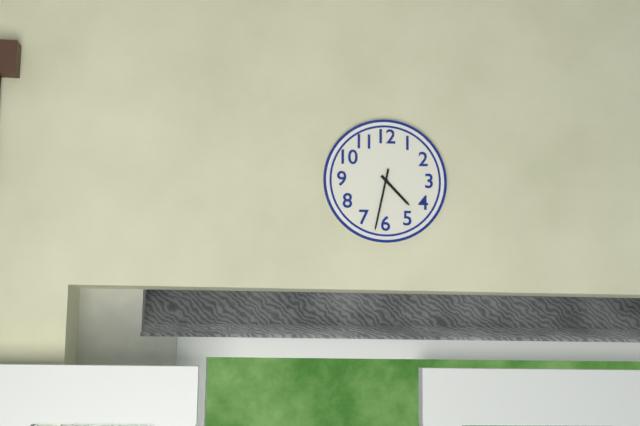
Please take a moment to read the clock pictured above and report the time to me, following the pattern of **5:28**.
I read **4:32**
